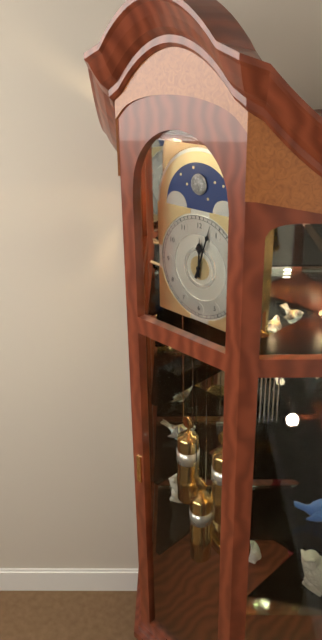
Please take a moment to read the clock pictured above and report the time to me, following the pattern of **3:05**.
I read **12:03**
